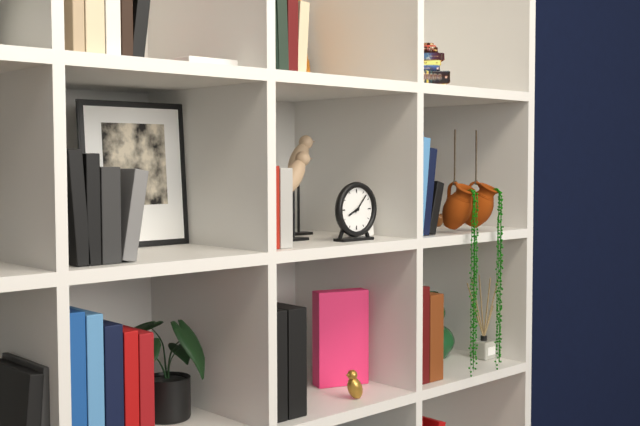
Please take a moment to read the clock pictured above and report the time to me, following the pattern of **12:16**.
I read **8:07**
